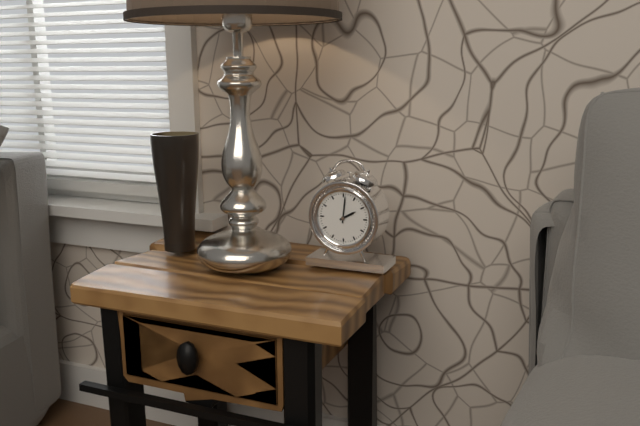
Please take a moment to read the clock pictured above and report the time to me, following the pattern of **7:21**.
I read **2:01**
